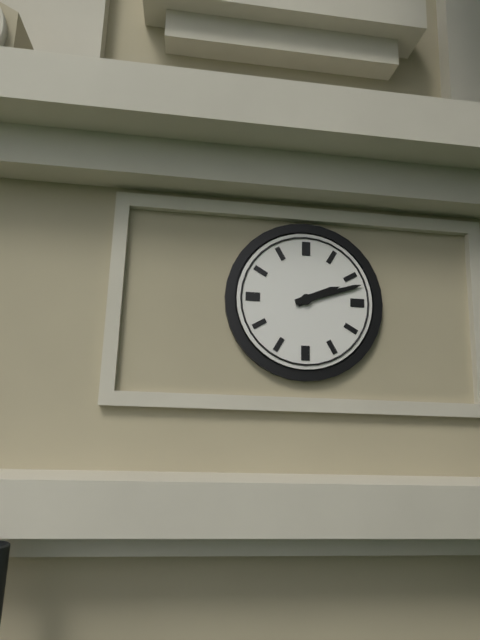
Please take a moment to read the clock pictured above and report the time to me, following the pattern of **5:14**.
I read **2:12**
